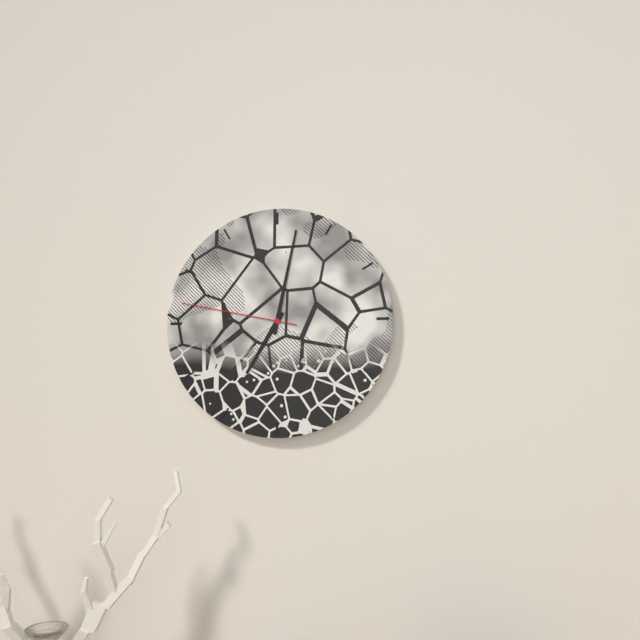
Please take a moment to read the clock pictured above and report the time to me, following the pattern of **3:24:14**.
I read **7:02:47**
